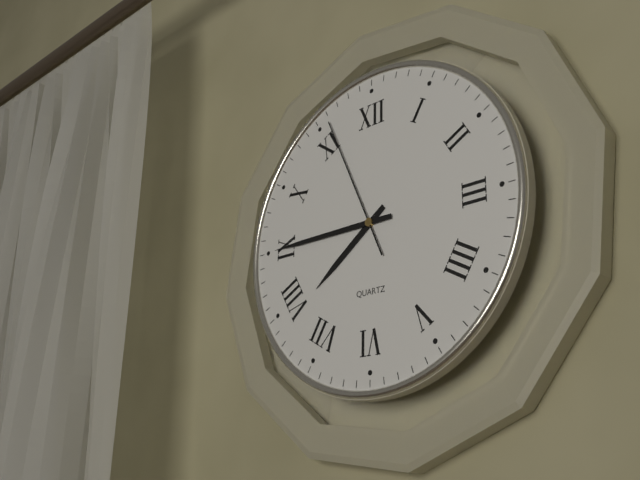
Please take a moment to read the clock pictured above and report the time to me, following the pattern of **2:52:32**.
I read **7:45:56**
